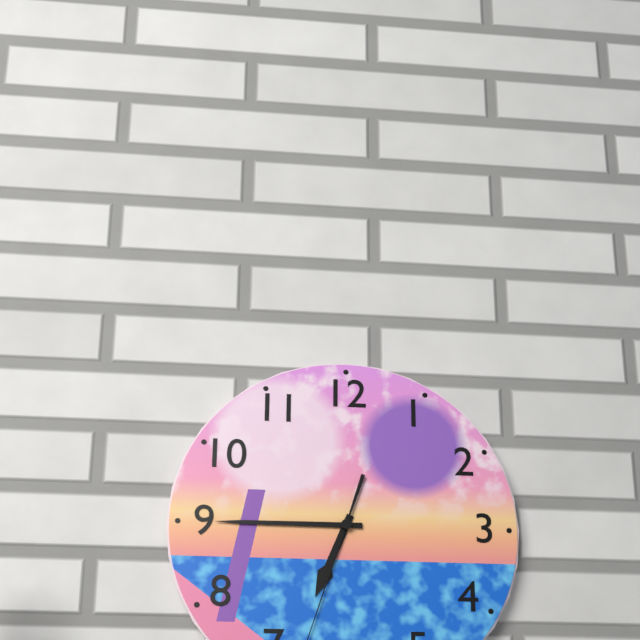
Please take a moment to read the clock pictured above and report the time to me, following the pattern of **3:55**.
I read **6:45**
